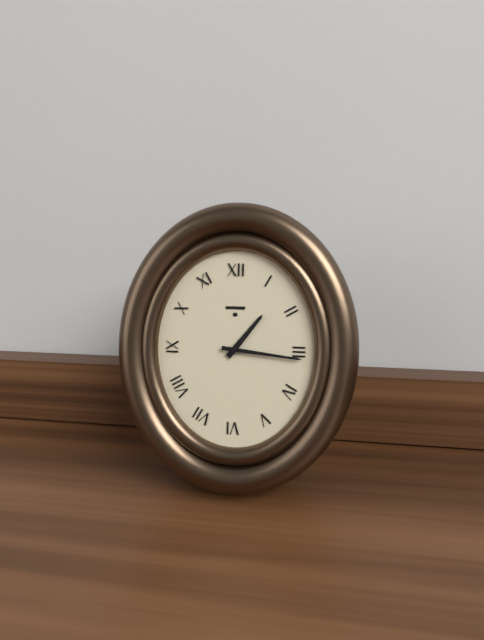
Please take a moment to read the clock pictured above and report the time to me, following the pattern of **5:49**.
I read **1:16**
